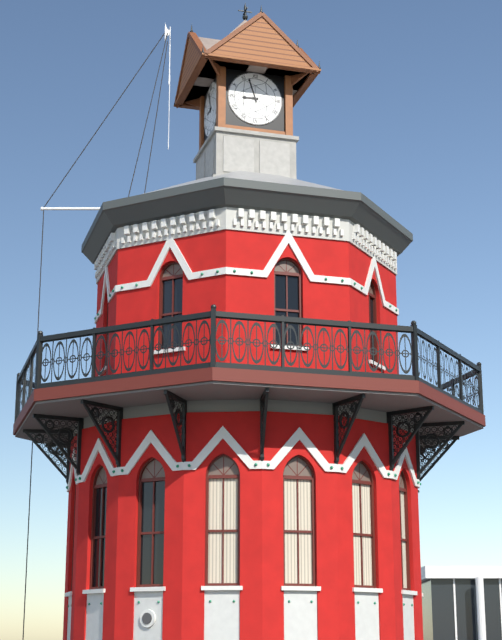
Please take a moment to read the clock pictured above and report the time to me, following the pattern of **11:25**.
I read **8:57**
